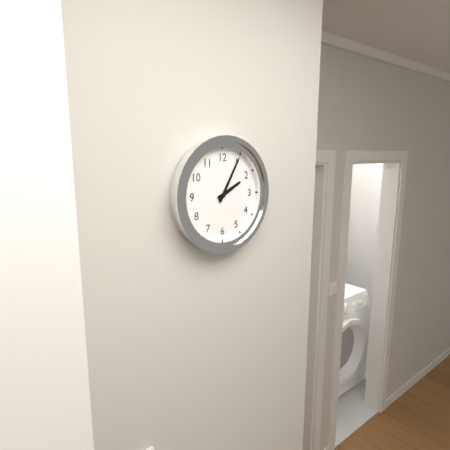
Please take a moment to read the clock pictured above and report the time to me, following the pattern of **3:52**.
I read **2:05**
